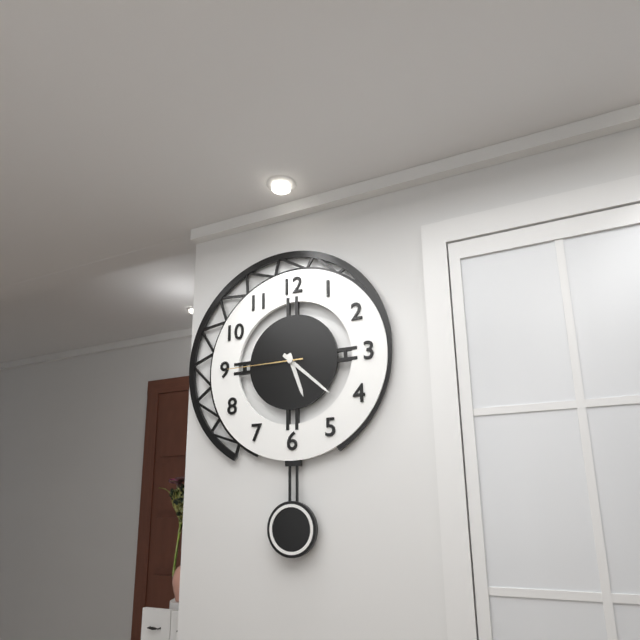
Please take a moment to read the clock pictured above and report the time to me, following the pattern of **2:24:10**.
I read **5:22:45**
